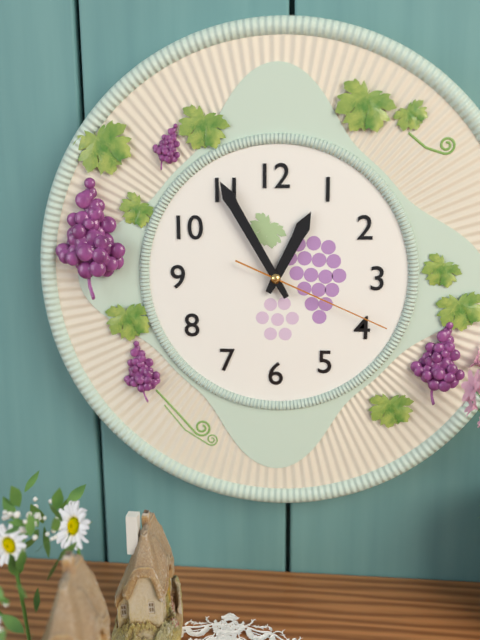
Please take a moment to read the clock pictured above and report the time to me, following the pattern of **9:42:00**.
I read **12:55:19**
